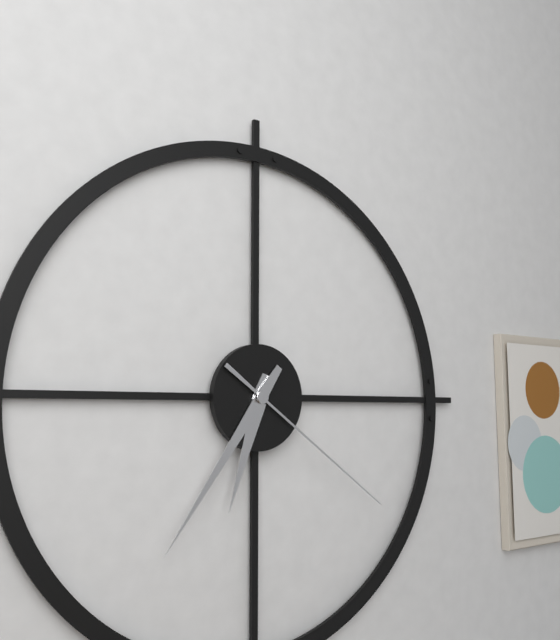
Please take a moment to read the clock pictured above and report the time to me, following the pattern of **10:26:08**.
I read **6:36:21**
